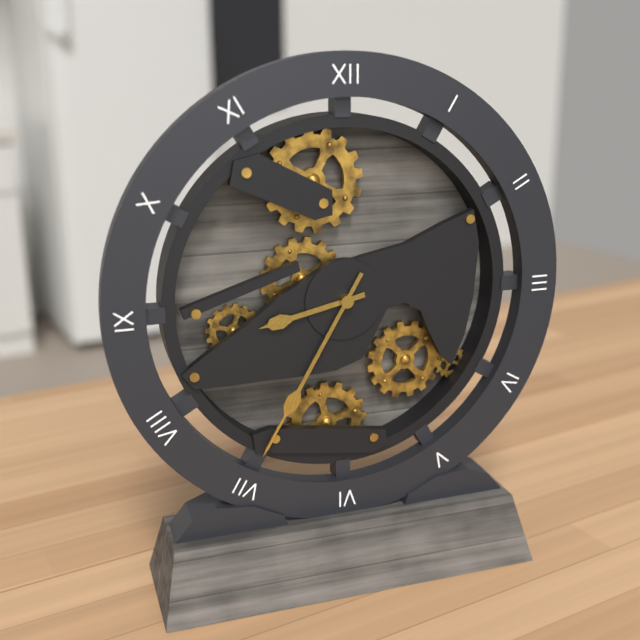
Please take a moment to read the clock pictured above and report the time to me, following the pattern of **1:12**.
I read **8:35**
